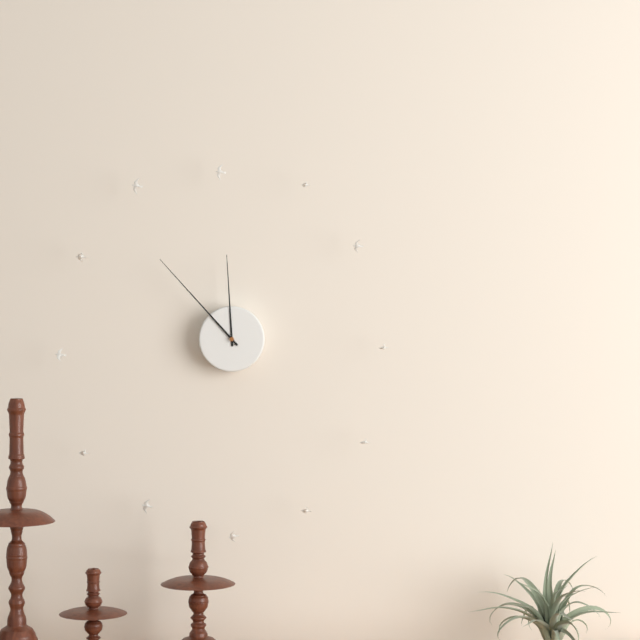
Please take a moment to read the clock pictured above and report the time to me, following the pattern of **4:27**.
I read **11:53**
